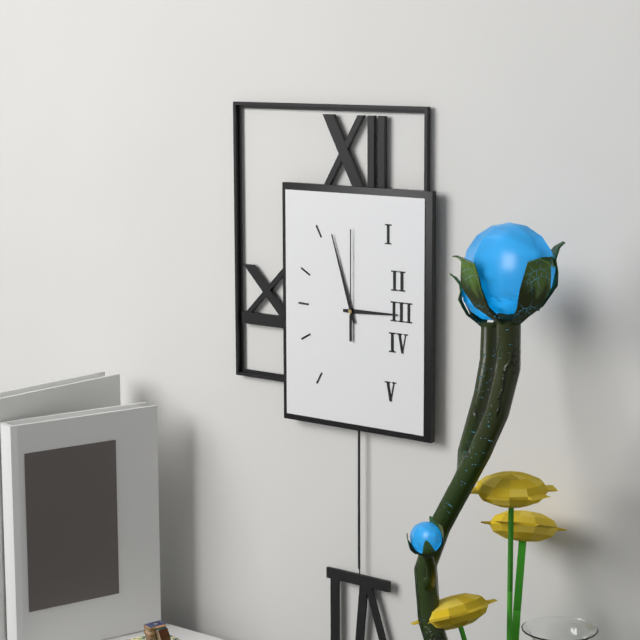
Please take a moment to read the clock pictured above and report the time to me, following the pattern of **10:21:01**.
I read **2:57:00**
